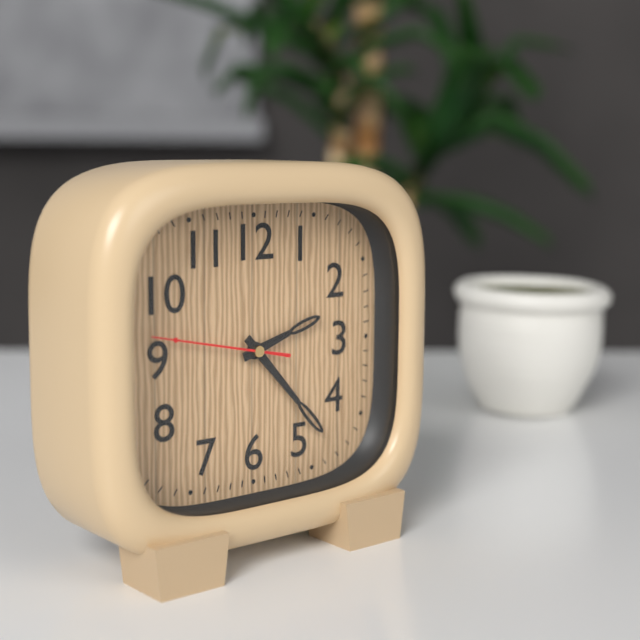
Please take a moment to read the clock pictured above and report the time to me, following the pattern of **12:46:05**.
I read **2:23:47**
